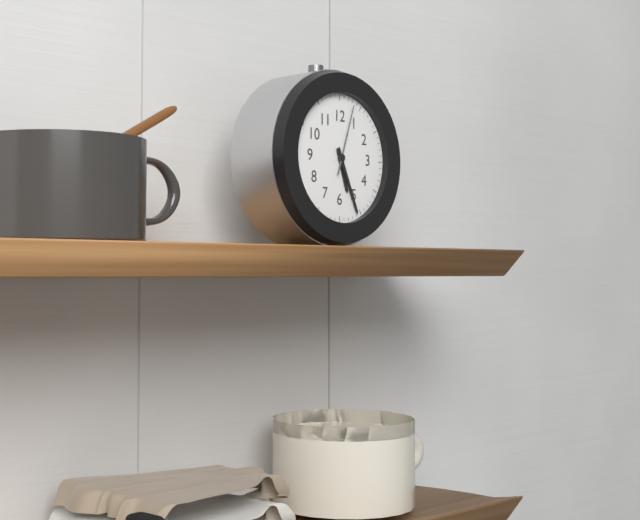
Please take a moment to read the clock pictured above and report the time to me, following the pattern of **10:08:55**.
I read **5:26:03**
